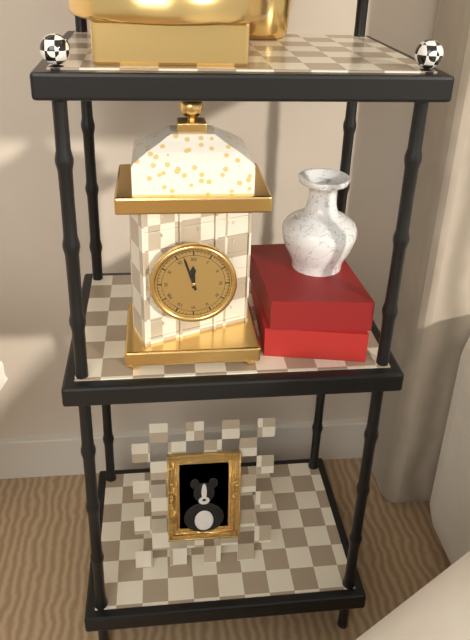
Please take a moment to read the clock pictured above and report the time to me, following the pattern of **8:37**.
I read **11:57**
